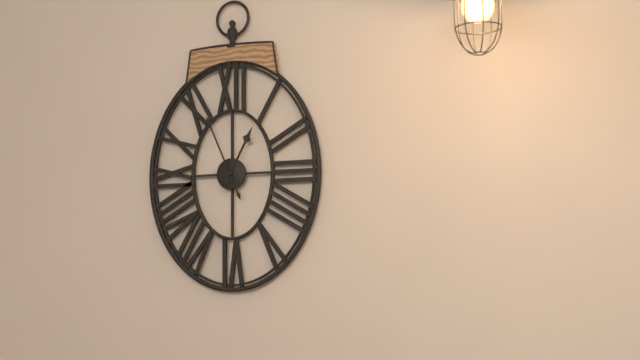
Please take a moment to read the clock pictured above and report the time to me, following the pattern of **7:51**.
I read **12:56**
